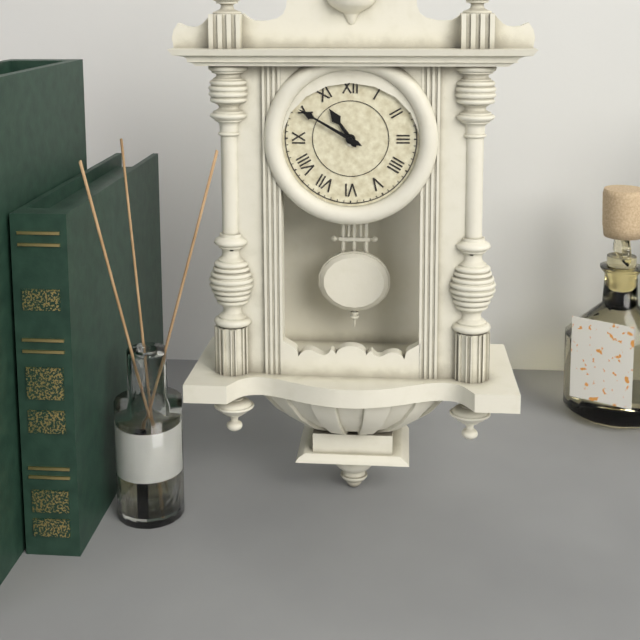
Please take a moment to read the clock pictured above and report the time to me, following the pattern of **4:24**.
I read **10:50**
